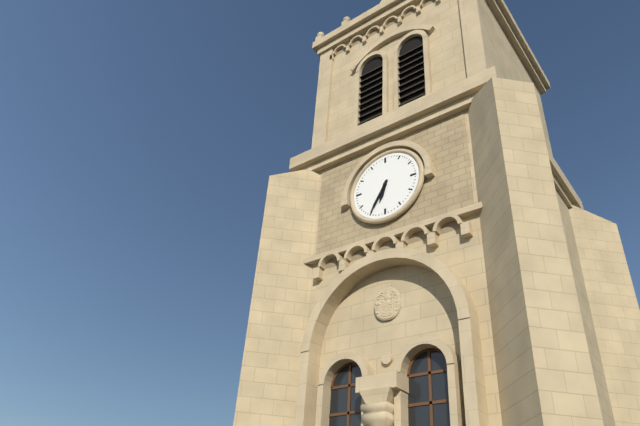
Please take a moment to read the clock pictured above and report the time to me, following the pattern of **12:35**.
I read **6:35**
